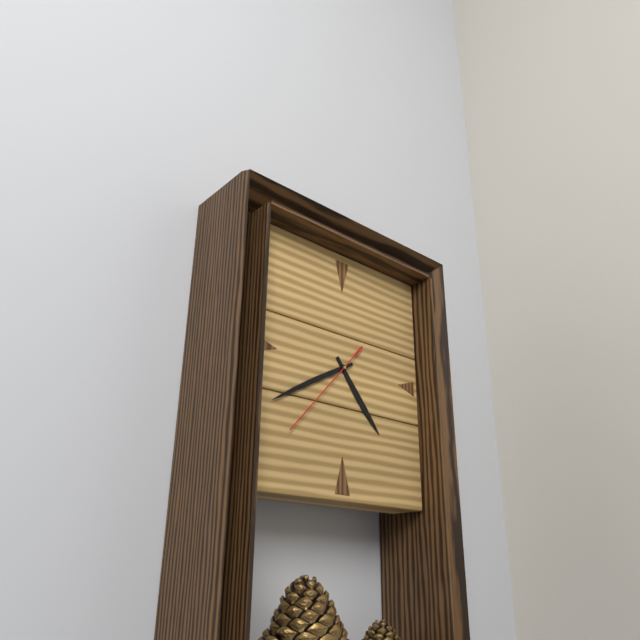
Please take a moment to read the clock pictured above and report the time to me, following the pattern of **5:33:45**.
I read **4:40:37**
